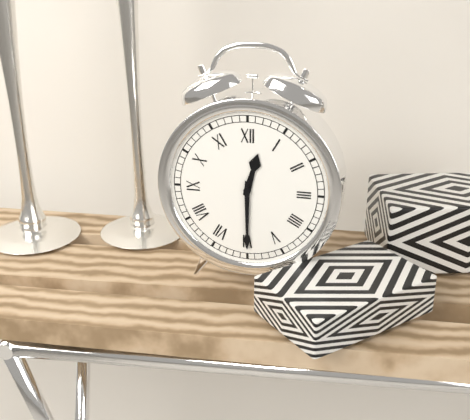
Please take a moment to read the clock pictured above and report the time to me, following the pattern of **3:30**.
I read **12:30**
